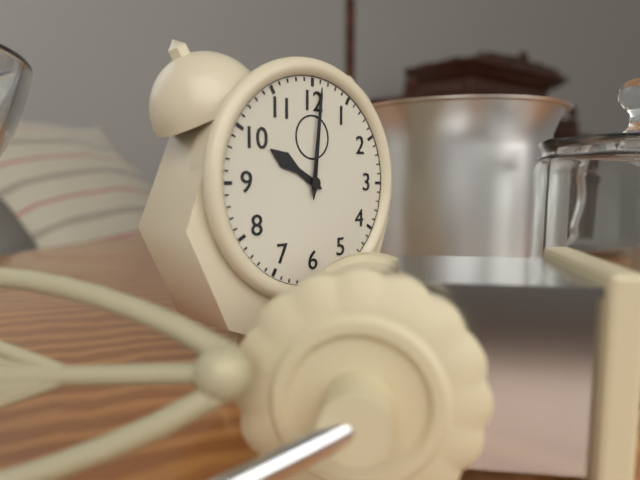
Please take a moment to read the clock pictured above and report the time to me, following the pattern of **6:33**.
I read **10:01**
